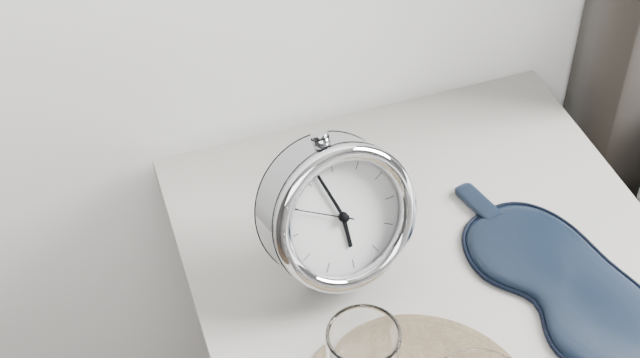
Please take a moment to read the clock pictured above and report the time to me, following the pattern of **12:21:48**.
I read **5:57:50**
